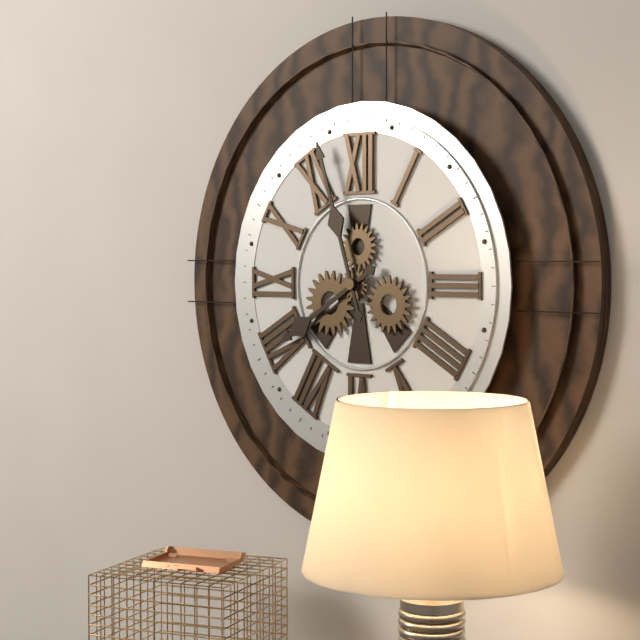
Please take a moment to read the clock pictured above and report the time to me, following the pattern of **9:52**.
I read **7:57**
